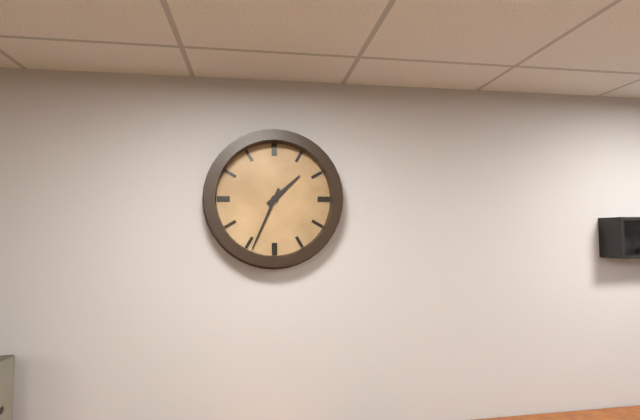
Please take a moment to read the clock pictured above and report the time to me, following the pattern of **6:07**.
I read **1:34**
